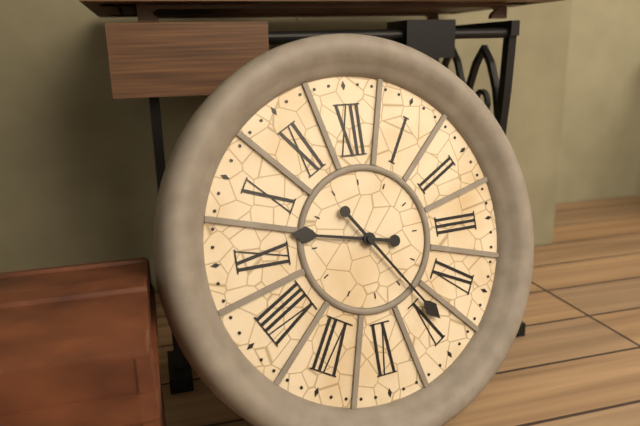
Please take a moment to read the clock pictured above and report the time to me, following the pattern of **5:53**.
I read **9:24**
